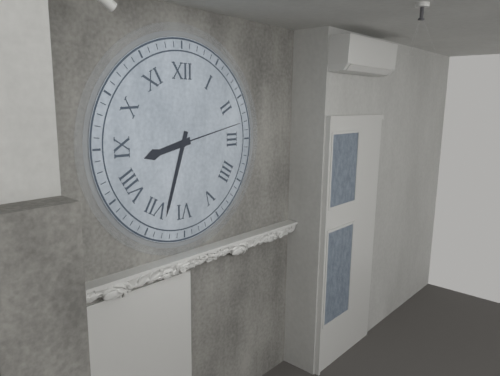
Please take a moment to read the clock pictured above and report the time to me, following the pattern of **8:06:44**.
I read **8:33:13**
